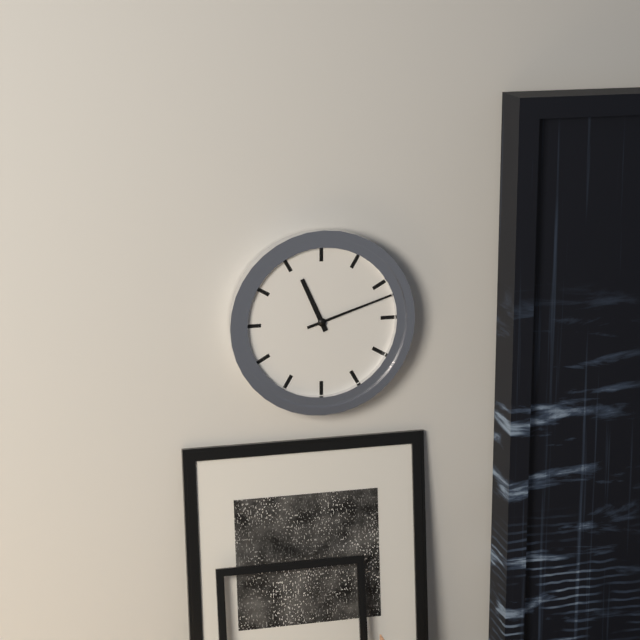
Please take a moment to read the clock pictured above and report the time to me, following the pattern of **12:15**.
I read **11:12**
